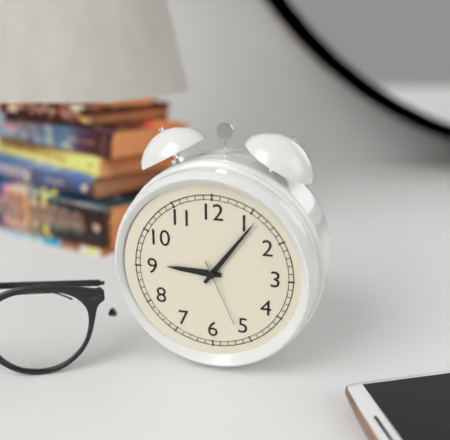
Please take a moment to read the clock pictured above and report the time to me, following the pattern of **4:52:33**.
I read **9:06:26**
